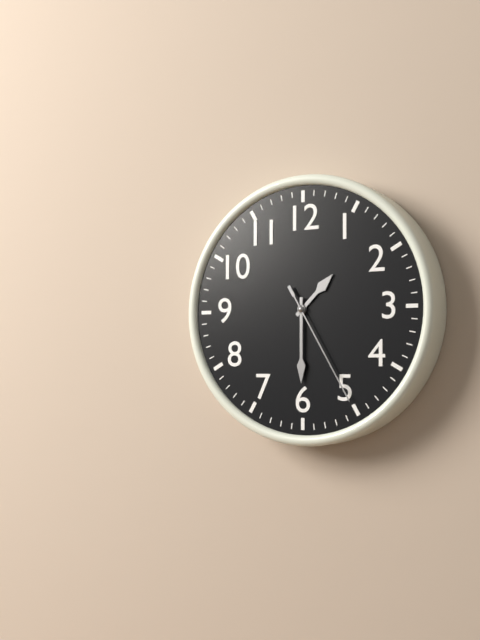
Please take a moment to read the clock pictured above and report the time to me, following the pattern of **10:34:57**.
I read **1:30:25**
